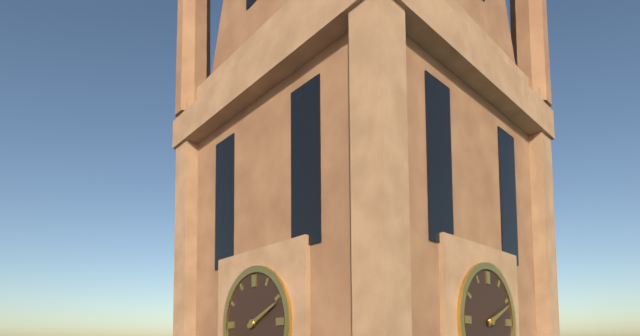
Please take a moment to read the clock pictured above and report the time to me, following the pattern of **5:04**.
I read **2:11**
